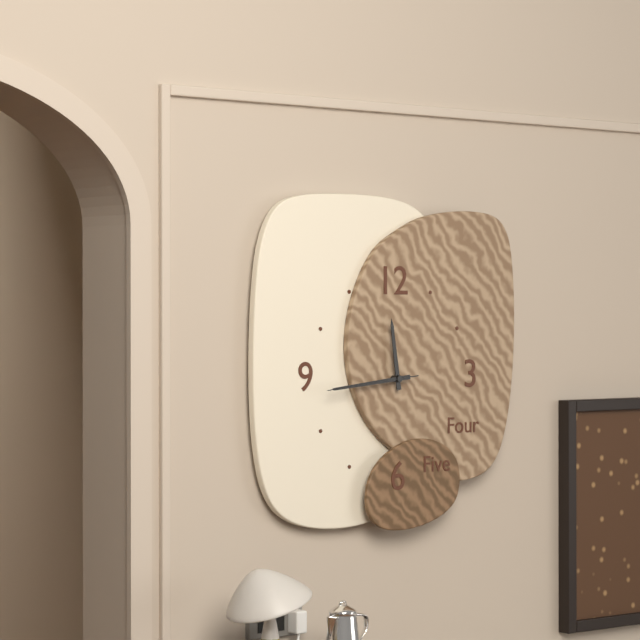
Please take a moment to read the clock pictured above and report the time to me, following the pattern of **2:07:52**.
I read **11:44:44**
